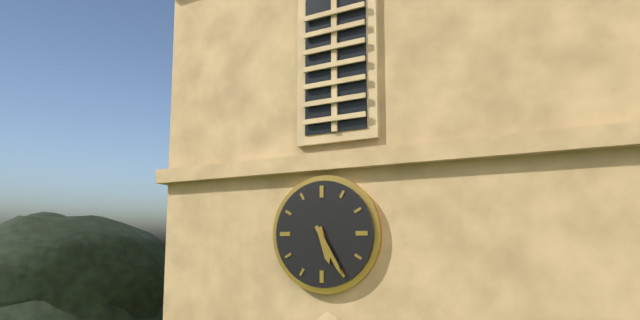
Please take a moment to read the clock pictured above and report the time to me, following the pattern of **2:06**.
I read **5:25**
